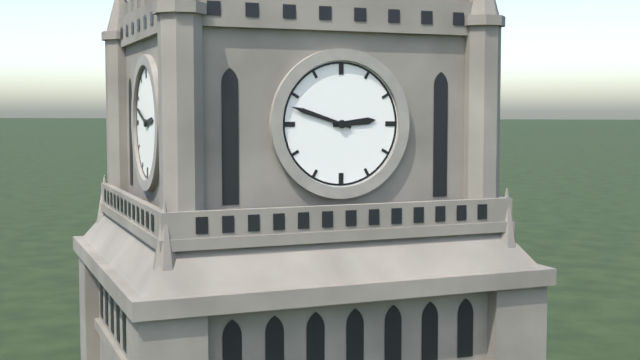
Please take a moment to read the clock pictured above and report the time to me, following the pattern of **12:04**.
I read **2:48**
